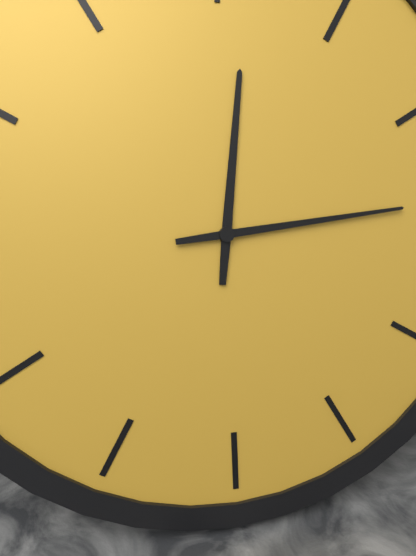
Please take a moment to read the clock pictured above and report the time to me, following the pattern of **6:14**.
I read **12:14**
